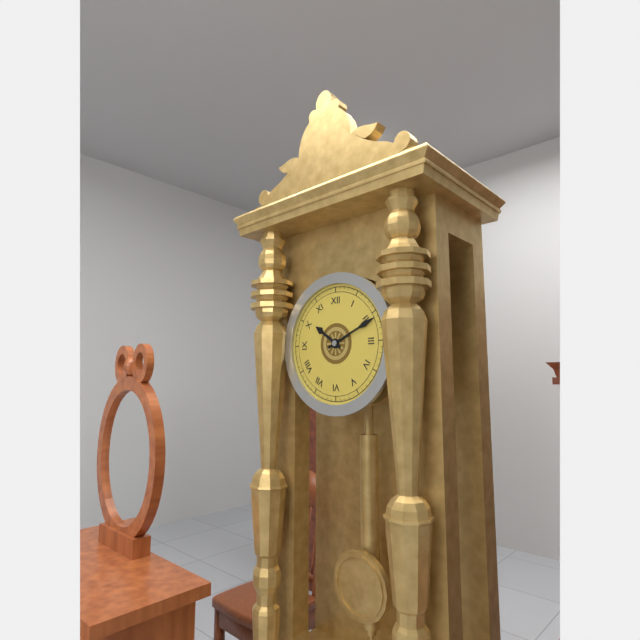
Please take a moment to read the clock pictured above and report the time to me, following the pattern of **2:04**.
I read **10:11**
